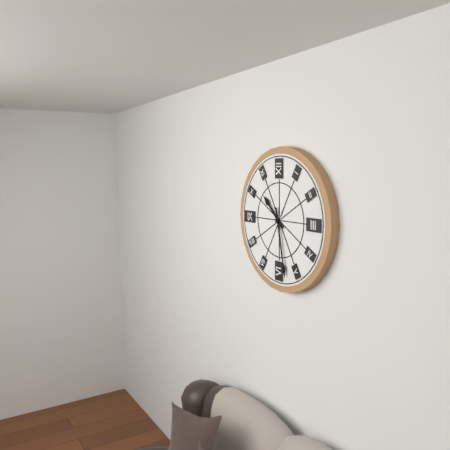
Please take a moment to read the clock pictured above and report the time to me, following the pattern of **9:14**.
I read **10:28**
